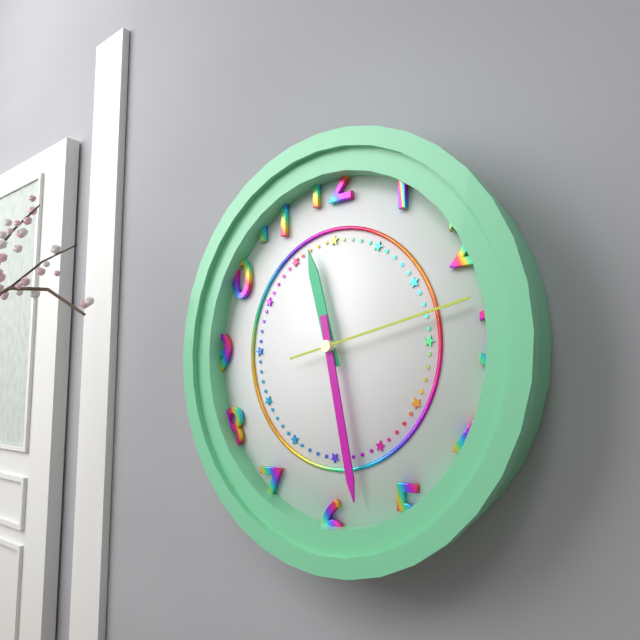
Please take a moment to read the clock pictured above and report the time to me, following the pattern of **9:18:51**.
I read **11:28:13**
